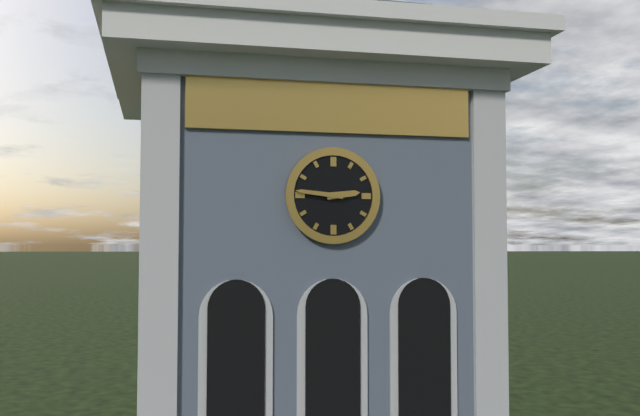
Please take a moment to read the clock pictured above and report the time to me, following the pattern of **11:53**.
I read **2:46**
